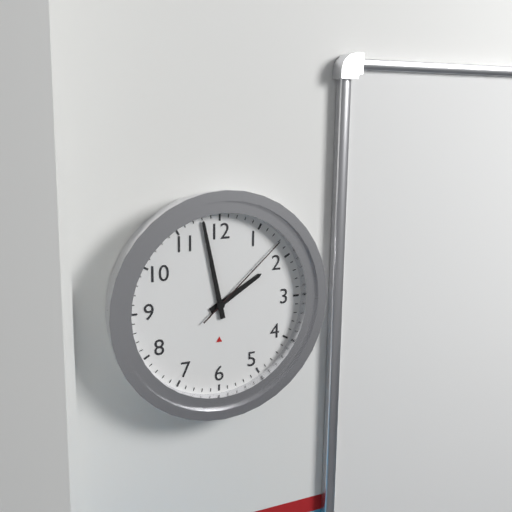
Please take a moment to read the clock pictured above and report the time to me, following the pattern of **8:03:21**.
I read **1:58:08**
